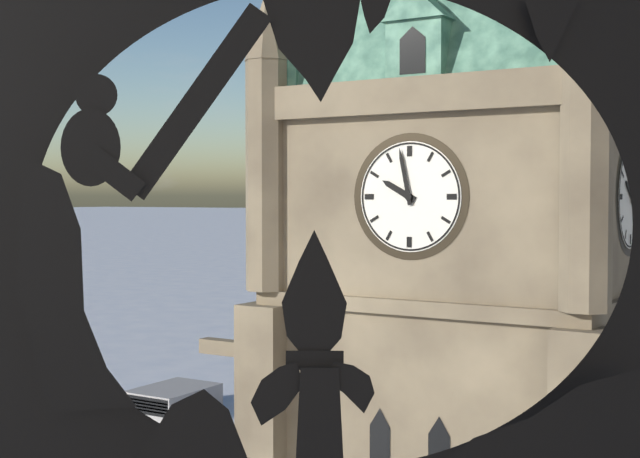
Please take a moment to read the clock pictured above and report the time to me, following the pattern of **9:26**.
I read **9:58**
